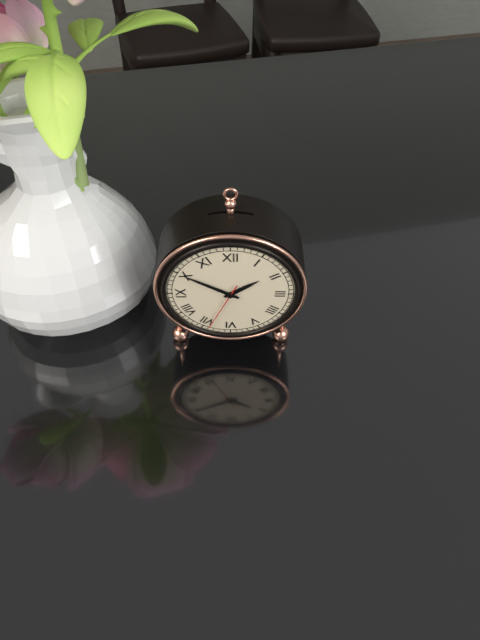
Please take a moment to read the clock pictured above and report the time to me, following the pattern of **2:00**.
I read **1:50**
